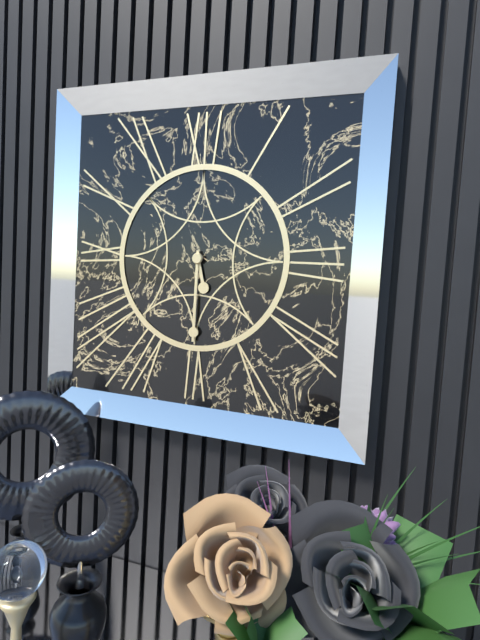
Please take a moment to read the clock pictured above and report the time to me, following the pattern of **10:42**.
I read **5:30**
